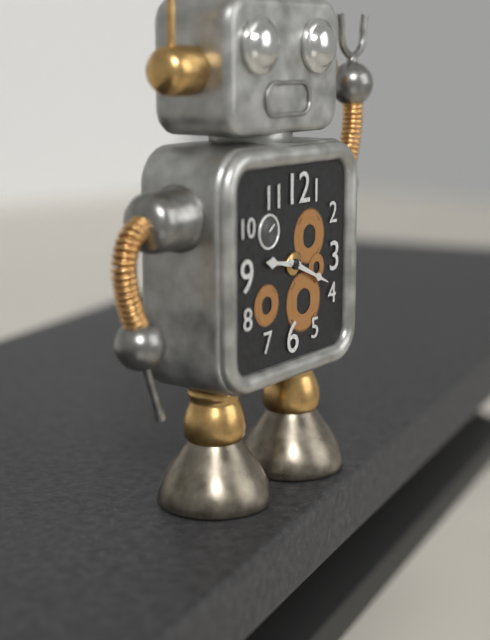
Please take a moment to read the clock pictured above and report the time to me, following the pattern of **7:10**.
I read **9:19**
